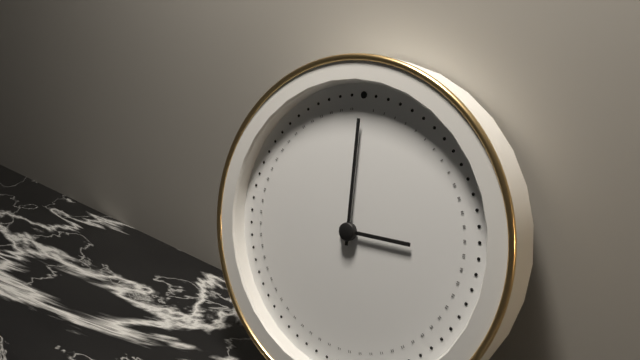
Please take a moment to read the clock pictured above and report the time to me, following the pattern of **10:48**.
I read **3:00**
